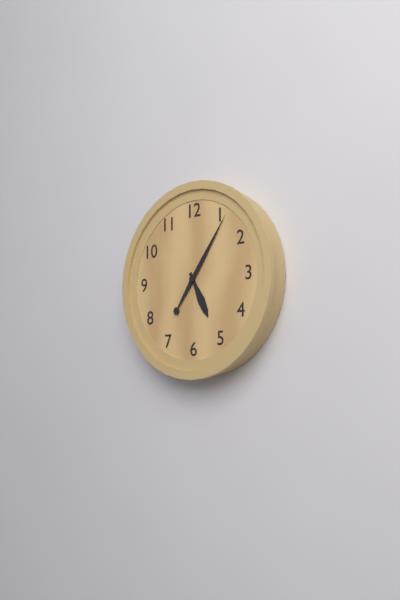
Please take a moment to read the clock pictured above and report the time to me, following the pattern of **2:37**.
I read **5:06**
